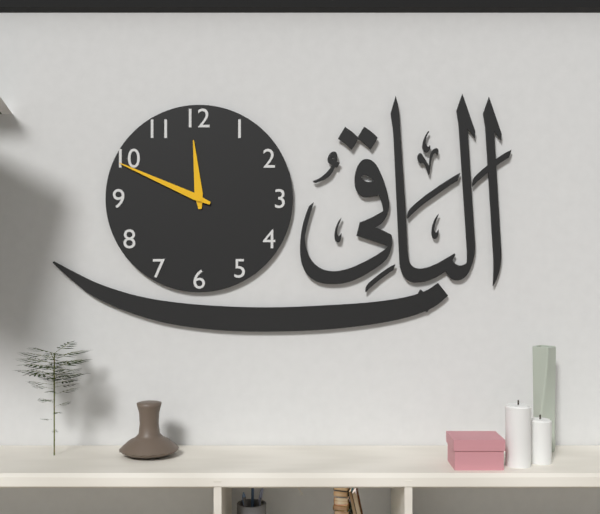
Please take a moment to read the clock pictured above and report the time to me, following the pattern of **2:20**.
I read **11:49**
